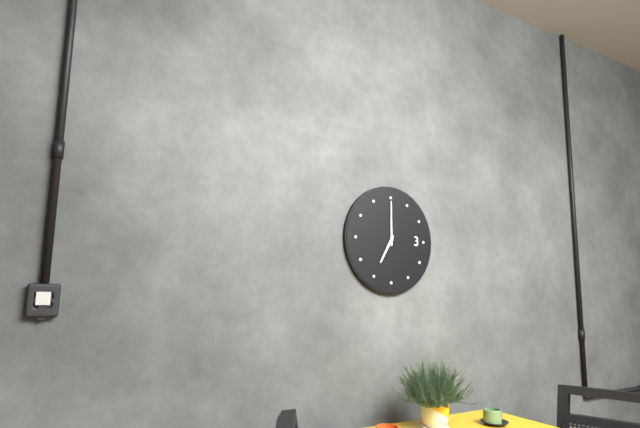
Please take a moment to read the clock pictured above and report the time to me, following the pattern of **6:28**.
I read **7:00**
